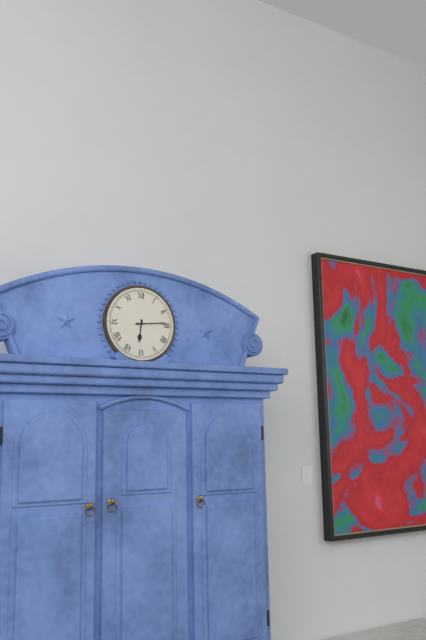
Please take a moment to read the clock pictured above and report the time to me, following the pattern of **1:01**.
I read **6:14**
